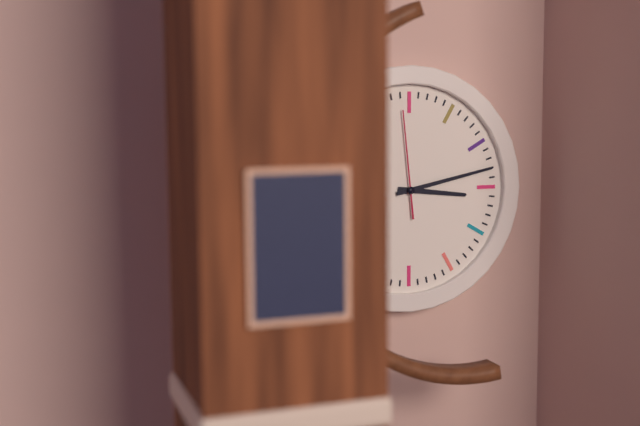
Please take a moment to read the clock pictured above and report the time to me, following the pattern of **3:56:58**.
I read **3:13:59**
